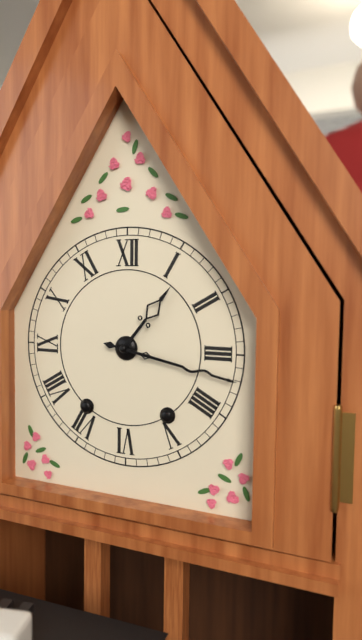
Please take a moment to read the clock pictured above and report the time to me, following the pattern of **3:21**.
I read **1:17**
